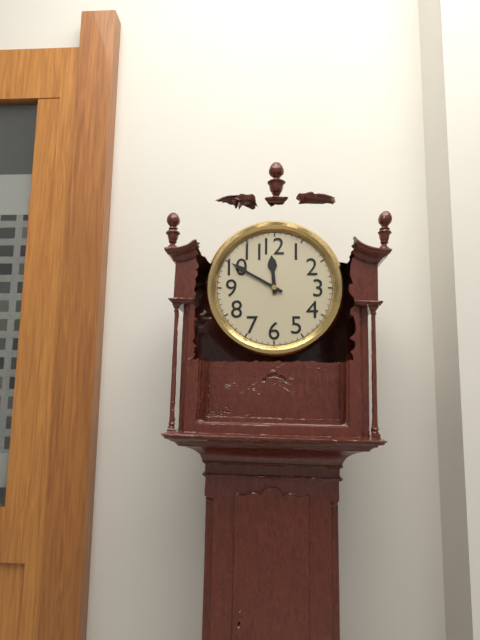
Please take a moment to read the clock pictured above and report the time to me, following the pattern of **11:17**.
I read **11:50**
